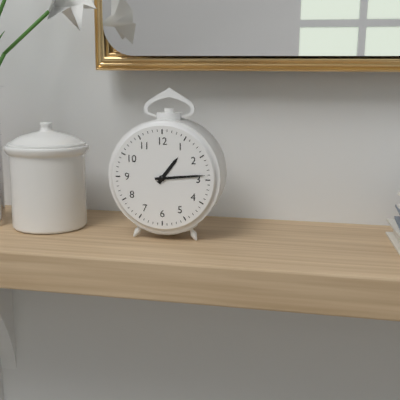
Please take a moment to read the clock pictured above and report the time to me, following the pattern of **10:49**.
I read **1:14**
